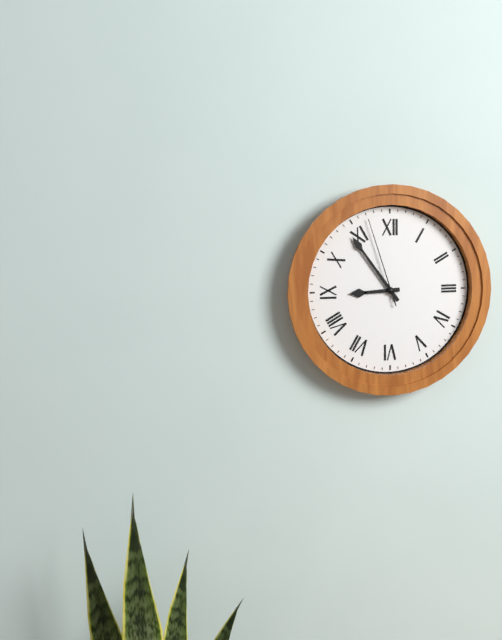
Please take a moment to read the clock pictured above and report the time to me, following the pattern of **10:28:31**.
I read **8:54:57**
